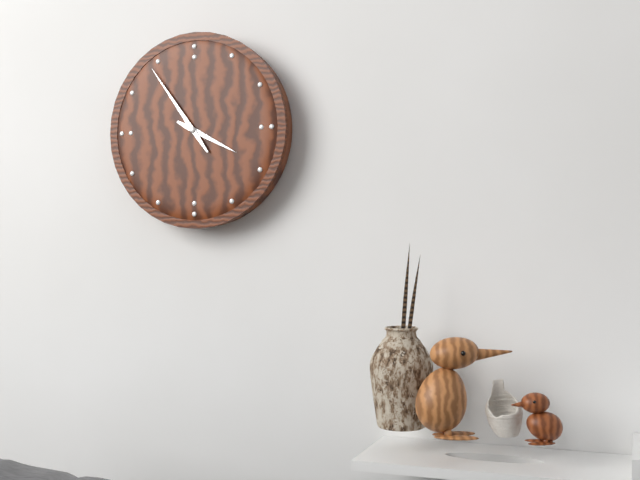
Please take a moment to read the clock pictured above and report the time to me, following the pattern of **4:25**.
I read **3:54**
